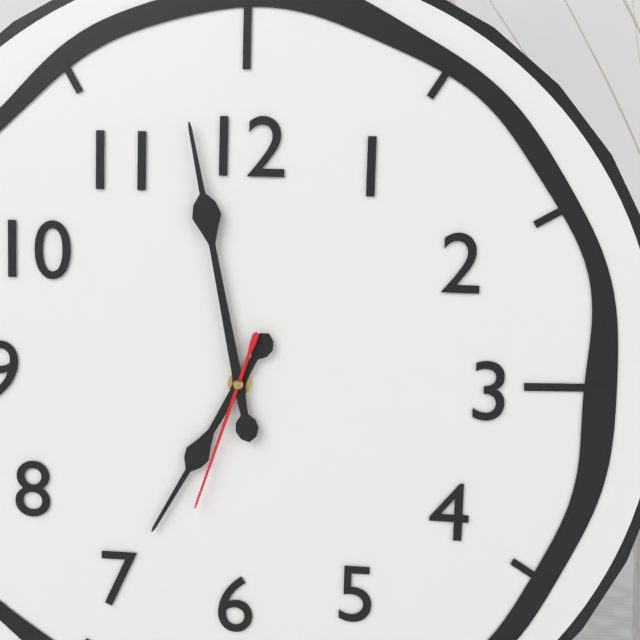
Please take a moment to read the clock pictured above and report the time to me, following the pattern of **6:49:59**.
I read **6:58:33**
